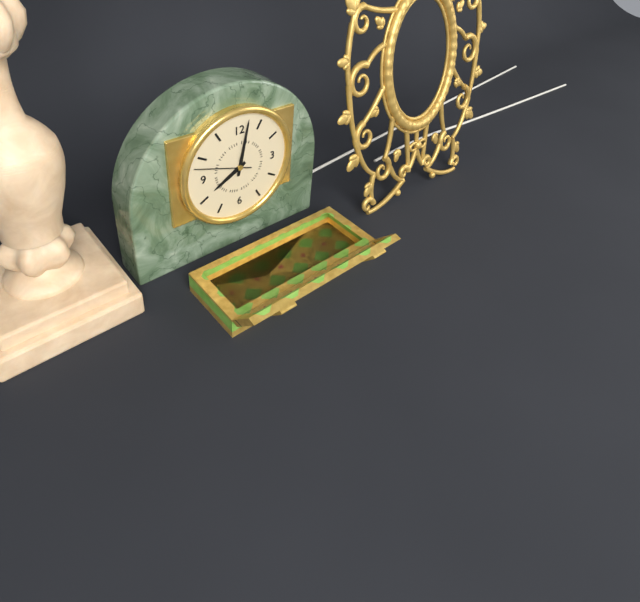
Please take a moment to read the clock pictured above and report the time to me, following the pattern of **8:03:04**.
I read **8:02:48**
